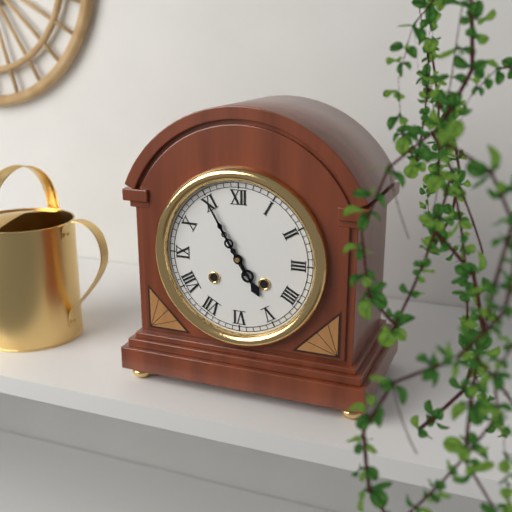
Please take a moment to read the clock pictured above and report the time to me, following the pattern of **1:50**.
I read **4:55**
